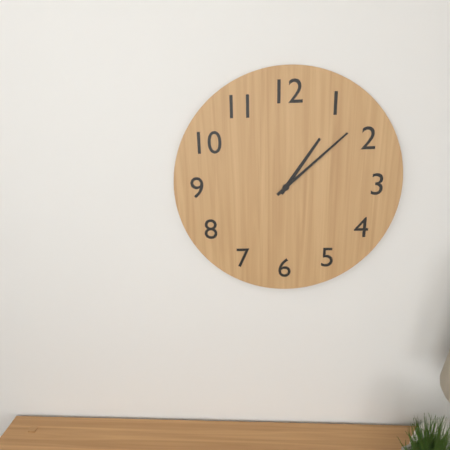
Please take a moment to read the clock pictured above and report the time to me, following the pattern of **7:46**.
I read **1:08**
